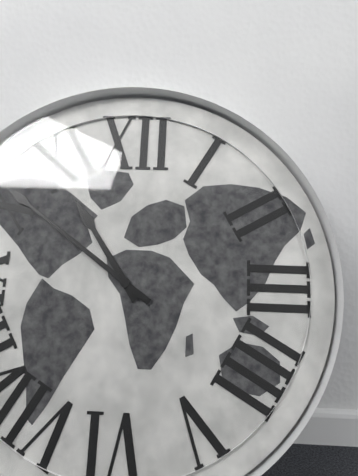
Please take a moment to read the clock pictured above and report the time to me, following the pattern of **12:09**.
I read **10:51**
